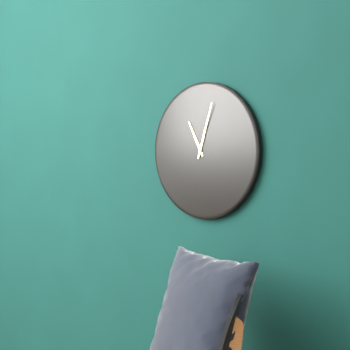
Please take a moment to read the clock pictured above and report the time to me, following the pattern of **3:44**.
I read **11:03**
